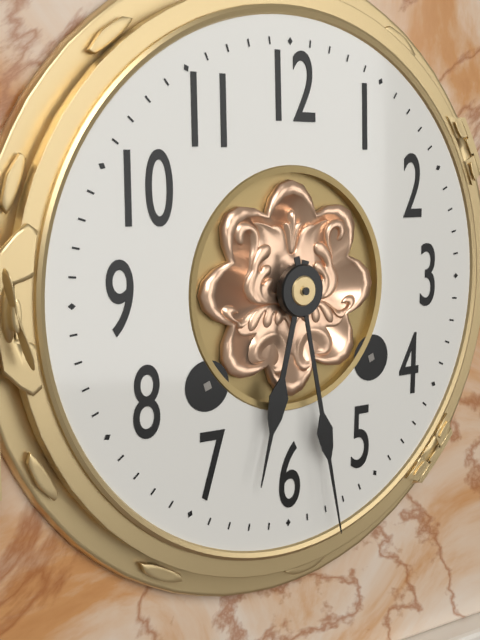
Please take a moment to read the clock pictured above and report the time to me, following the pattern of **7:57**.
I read **6:28**
